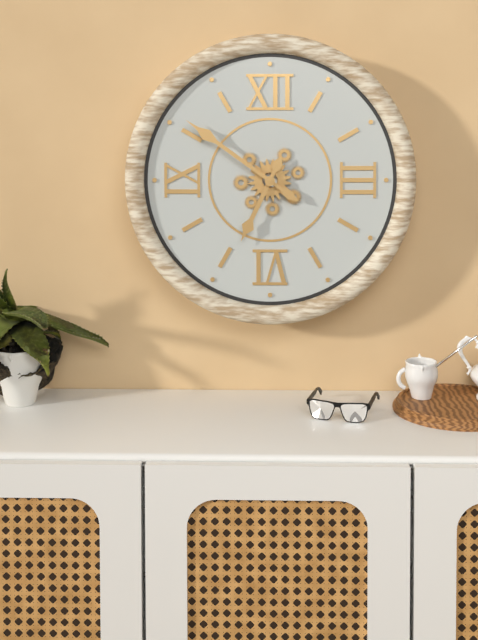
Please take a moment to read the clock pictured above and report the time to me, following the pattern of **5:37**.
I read **6:51**
